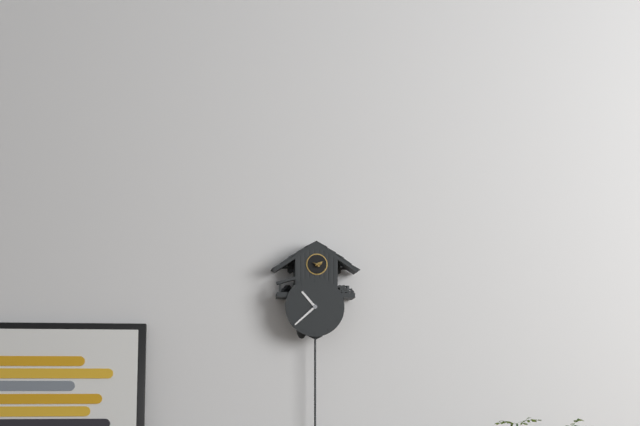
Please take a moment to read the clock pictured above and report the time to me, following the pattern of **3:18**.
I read **10:38**
